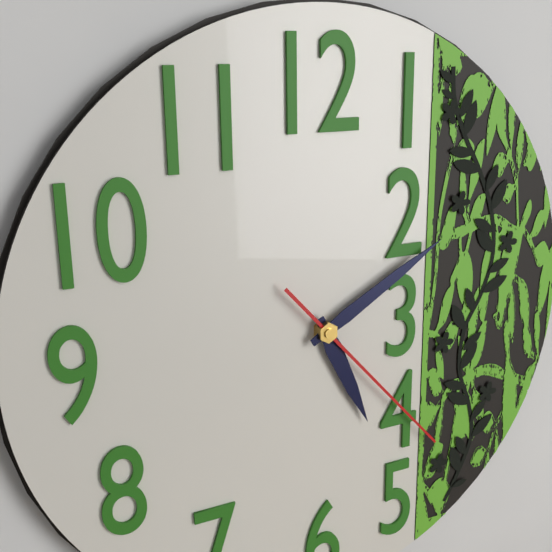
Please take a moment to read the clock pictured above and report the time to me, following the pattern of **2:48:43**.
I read **5:10:23**
